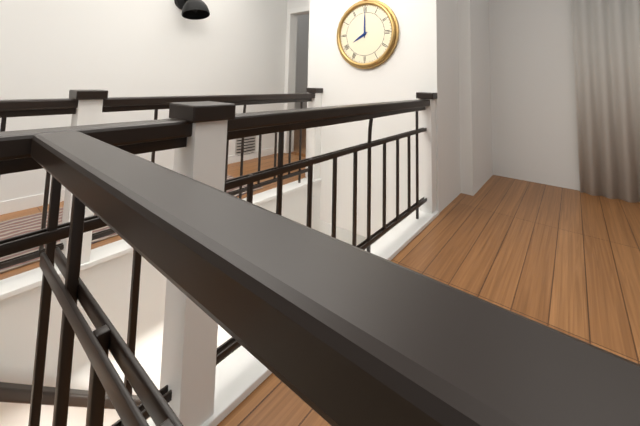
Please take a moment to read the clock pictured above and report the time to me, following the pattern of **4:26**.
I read **8:00**
